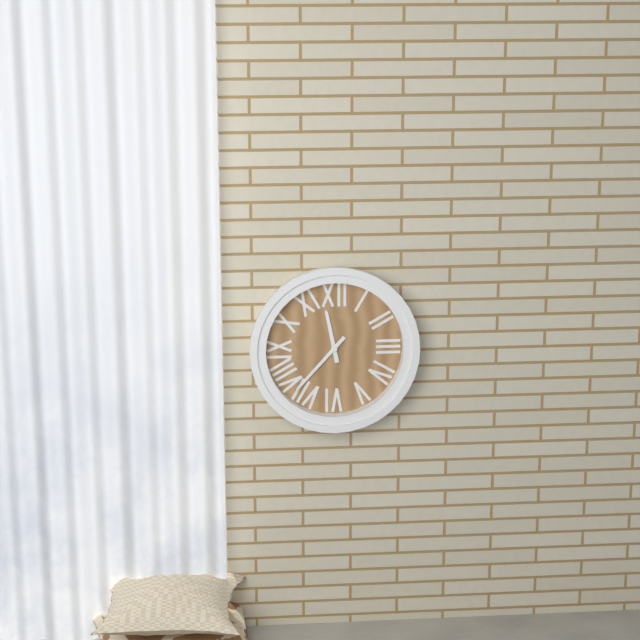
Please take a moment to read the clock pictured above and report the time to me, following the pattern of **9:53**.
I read **11:37**
